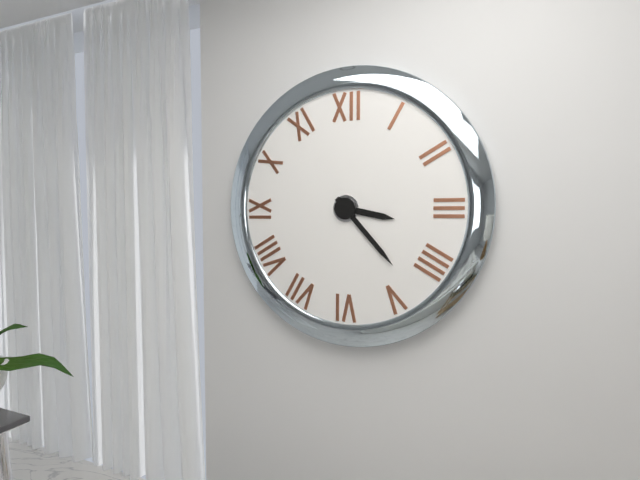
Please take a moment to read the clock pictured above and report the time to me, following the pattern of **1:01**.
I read **3:23**
